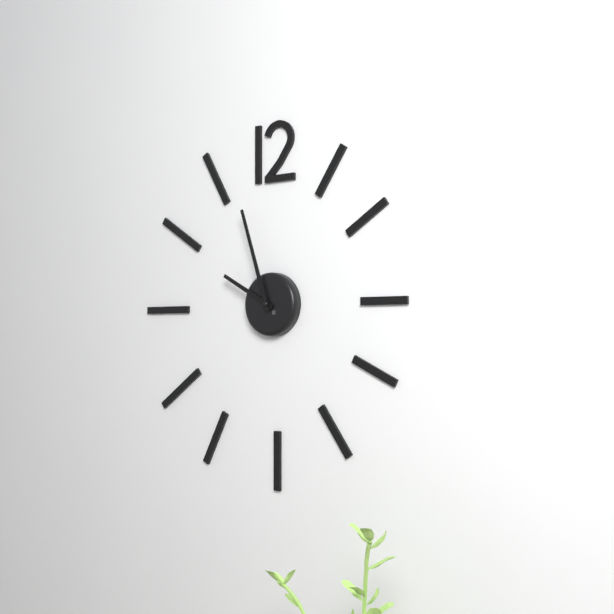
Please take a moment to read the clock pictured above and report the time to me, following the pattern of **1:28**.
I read **9:57**
